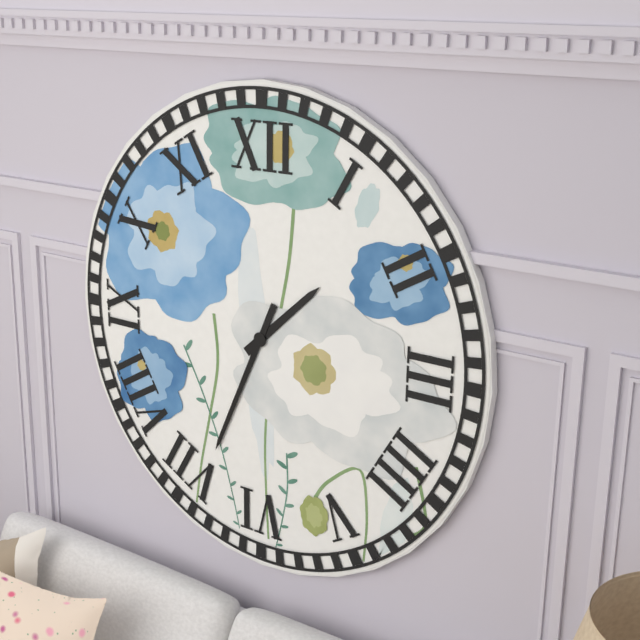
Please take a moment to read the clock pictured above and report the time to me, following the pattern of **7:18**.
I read **1:34**
